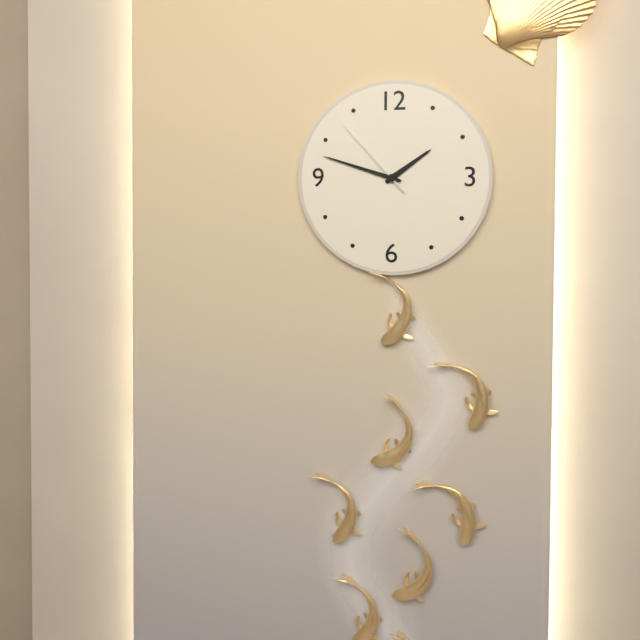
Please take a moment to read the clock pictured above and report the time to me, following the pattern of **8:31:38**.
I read **1:48:53**
